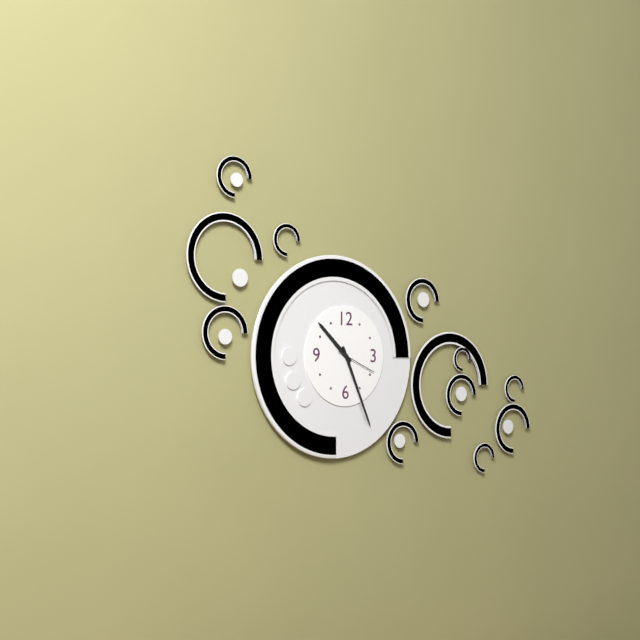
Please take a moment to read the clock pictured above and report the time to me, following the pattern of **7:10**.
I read **10:26**
